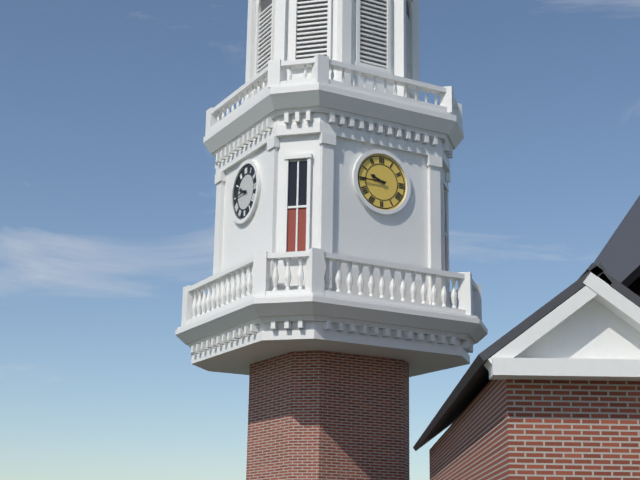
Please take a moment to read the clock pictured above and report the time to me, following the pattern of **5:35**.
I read **9:45**
